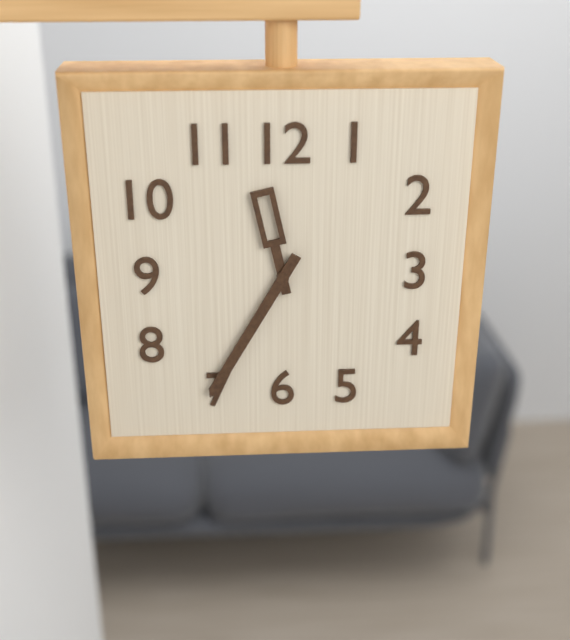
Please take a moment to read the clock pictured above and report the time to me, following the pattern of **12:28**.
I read **11:35**
